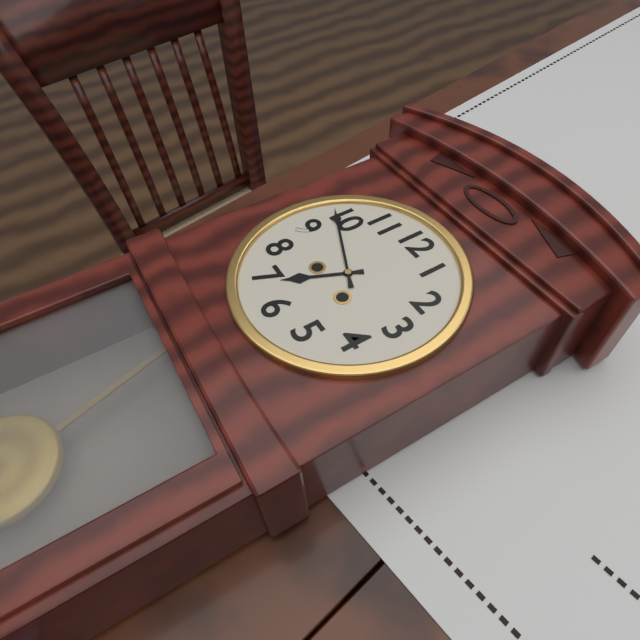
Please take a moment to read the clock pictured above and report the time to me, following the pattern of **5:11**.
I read **6:49**
